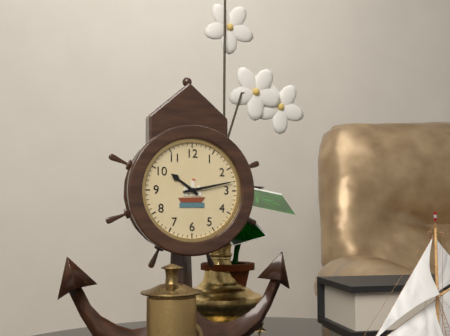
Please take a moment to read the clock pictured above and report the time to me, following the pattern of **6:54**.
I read **10:13**
